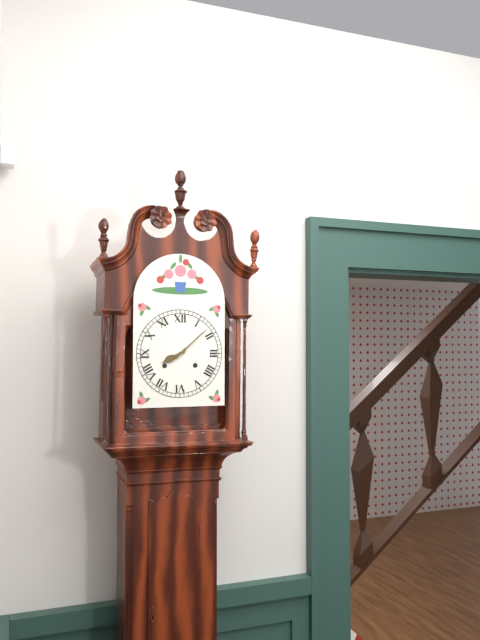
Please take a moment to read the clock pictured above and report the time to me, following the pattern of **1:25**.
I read **8:08**
